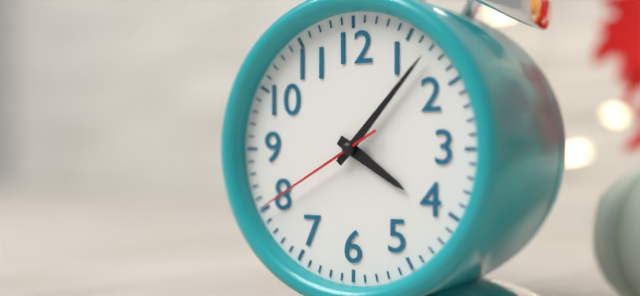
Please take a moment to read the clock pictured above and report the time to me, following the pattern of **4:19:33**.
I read **4:07:40**
